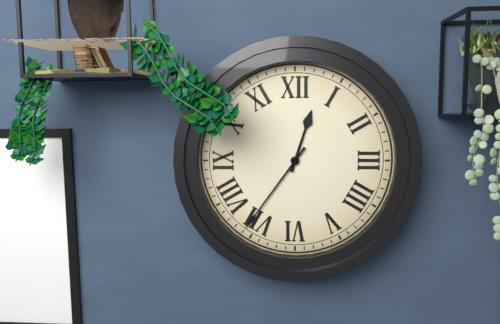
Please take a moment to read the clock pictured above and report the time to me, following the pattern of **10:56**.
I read **12:36**
